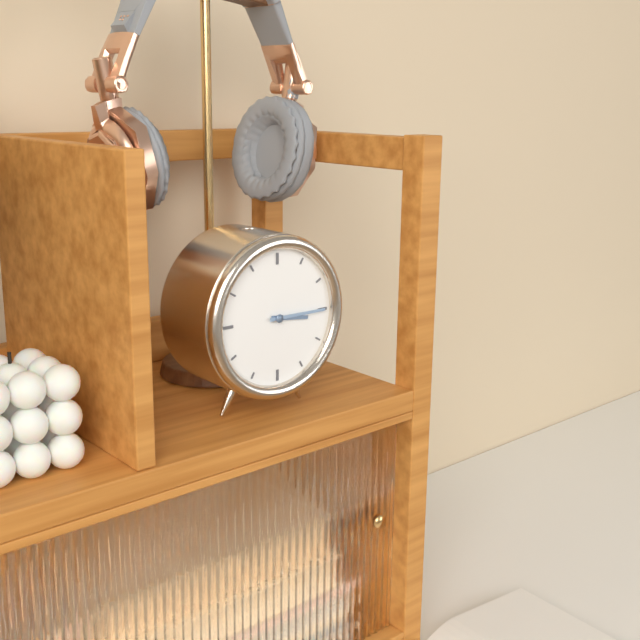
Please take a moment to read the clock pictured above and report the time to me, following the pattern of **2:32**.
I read **3:15**
